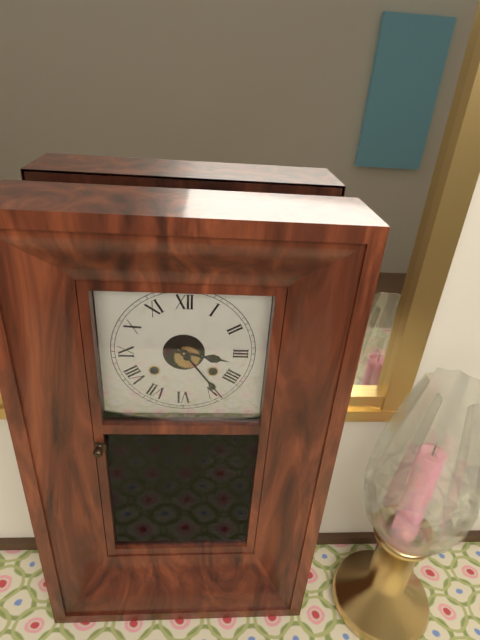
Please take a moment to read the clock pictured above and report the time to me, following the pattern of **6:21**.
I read **3:24**
